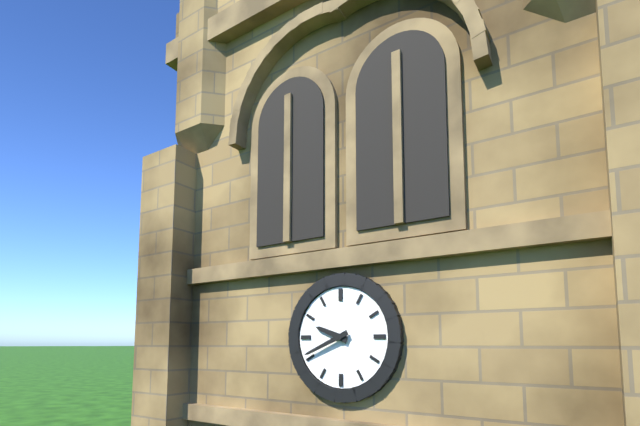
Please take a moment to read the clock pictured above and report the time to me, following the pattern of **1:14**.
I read **9:41**
